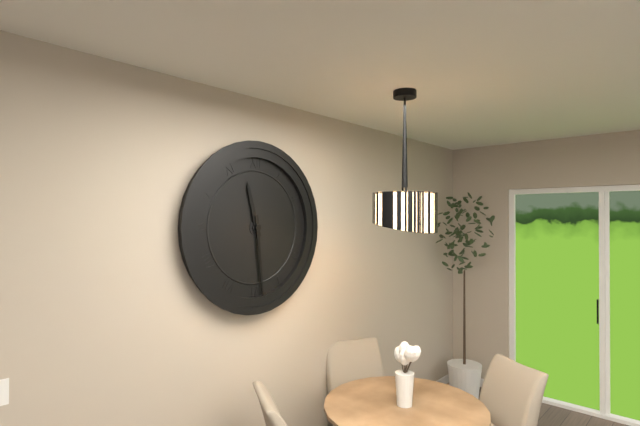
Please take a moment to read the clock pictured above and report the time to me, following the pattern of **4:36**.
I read **11:29**
